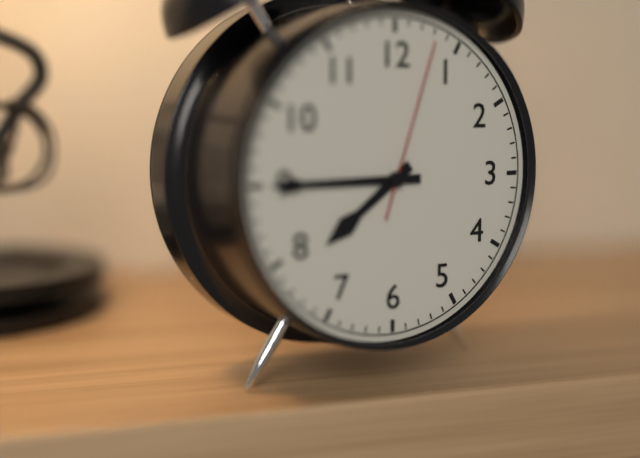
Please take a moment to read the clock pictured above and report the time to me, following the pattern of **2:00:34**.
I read **7:45:03**
